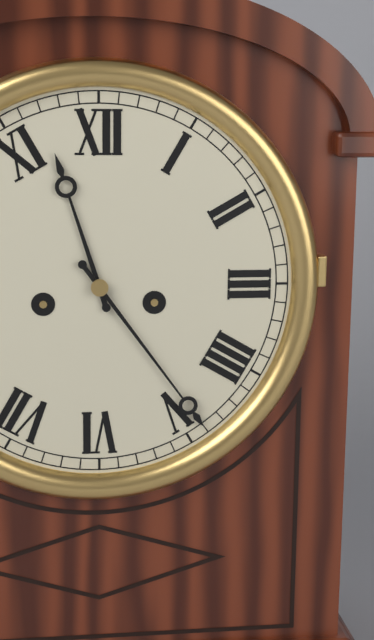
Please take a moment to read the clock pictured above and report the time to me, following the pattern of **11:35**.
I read **11:24**
